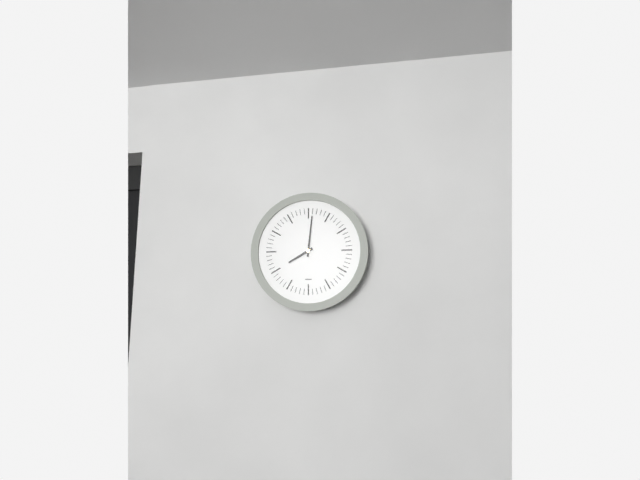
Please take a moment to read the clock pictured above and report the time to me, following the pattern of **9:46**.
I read **8:01**
